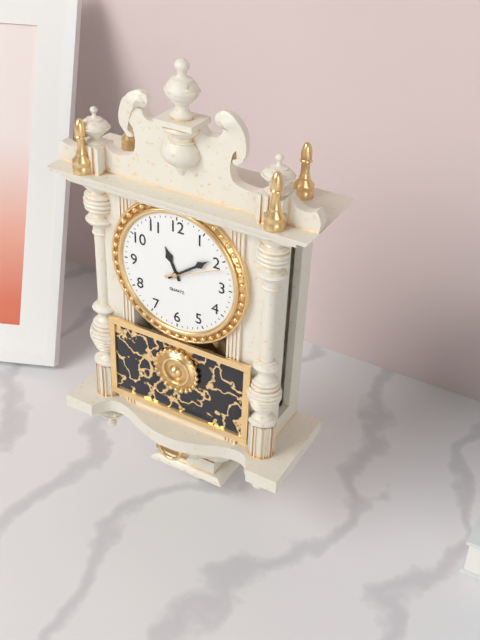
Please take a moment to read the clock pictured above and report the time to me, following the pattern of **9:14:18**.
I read **11:09:11**
